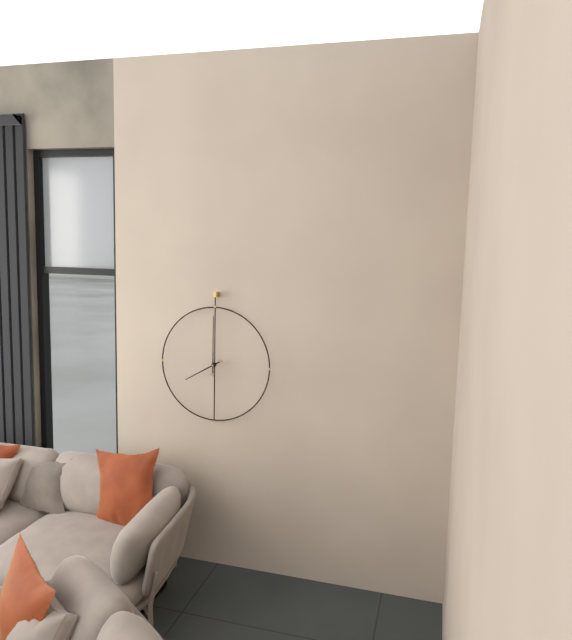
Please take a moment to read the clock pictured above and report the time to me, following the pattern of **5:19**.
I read **8:00**
